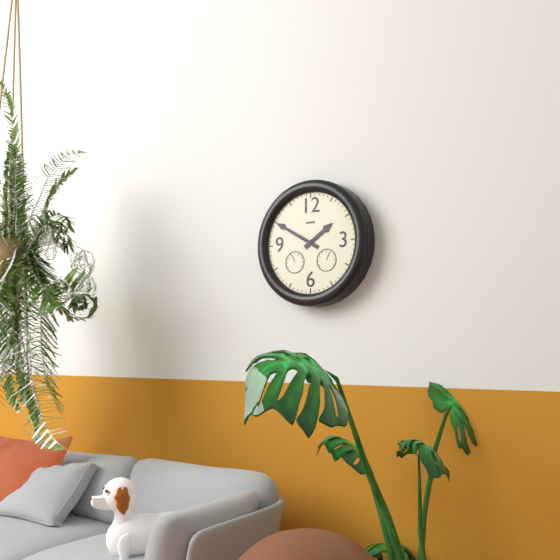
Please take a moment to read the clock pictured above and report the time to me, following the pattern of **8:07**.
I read **1:50**
